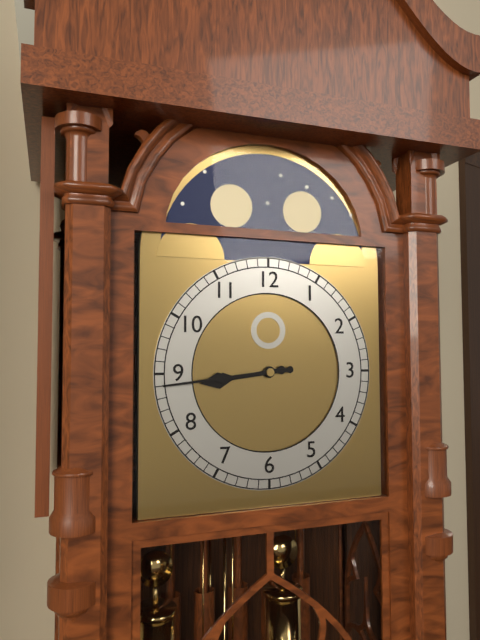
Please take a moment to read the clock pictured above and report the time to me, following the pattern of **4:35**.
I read **8:44**
